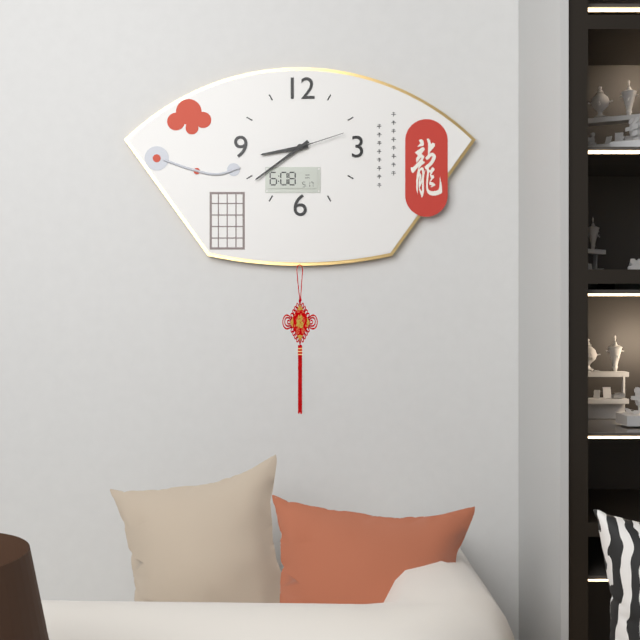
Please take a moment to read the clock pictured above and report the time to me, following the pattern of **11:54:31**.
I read **8:39:12**
